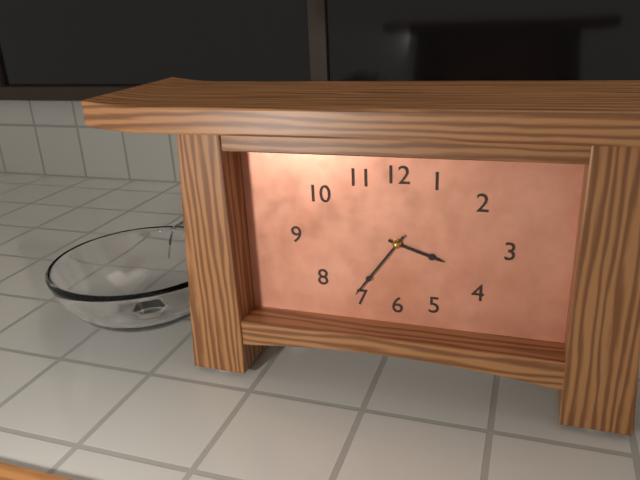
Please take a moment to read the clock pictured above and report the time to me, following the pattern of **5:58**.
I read **3:36**
